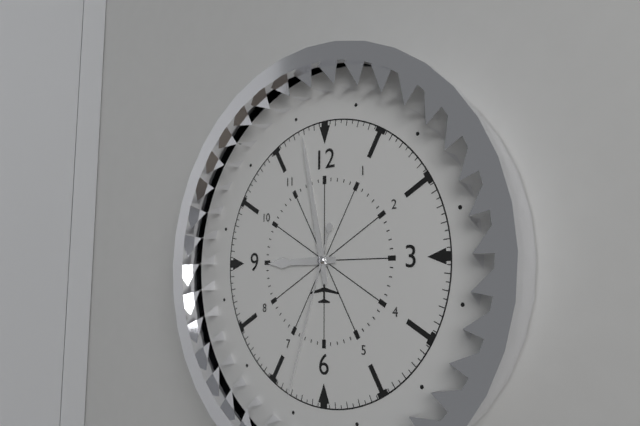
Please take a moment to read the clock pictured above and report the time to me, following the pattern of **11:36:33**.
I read **8:58:33**
